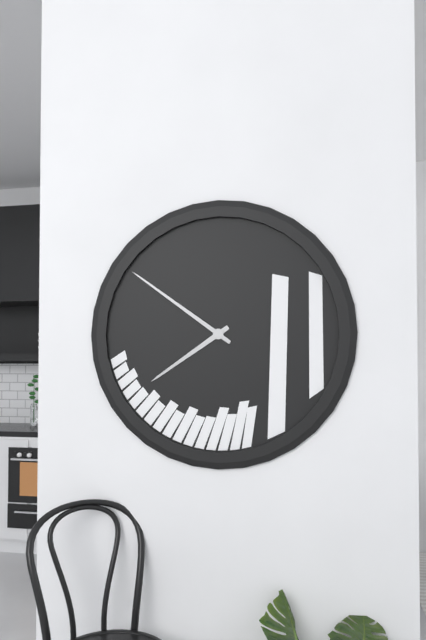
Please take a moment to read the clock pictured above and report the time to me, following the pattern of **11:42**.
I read **7:51**
